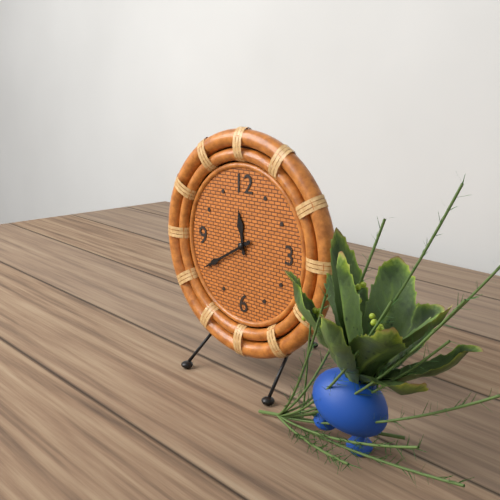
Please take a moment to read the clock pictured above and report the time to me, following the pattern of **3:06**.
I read **11:40**
